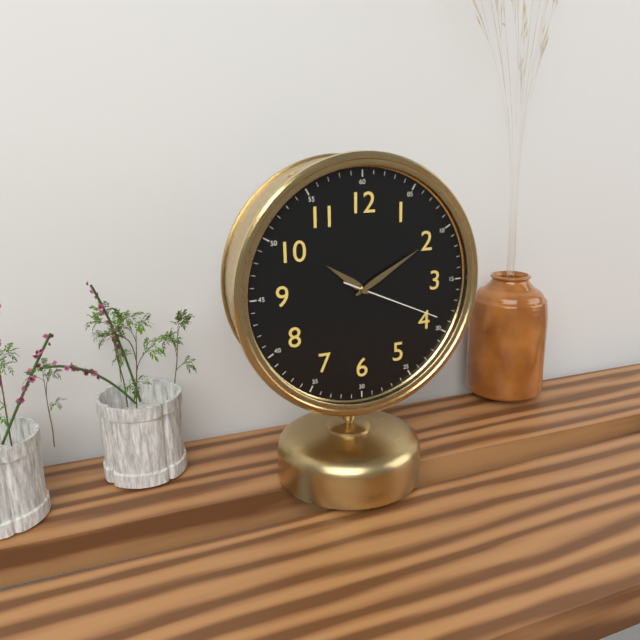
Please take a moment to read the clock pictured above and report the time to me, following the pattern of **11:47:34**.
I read **10:10:19**
